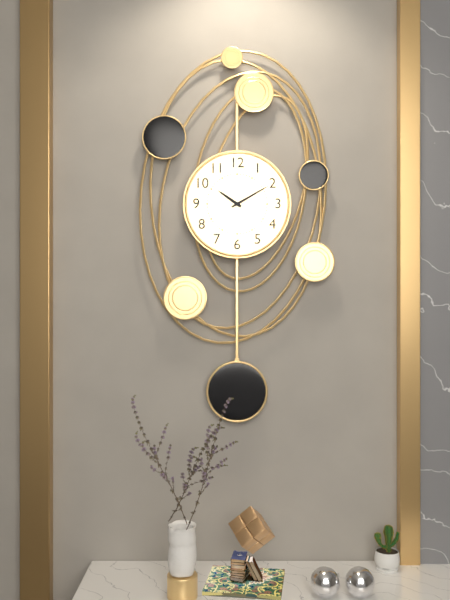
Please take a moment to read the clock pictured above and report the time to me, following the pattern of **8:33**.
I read **10:10**
